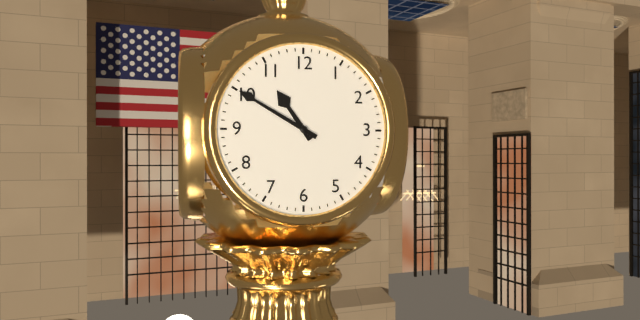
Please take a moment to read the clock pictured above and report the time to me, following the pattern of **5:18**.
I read **10:50**
